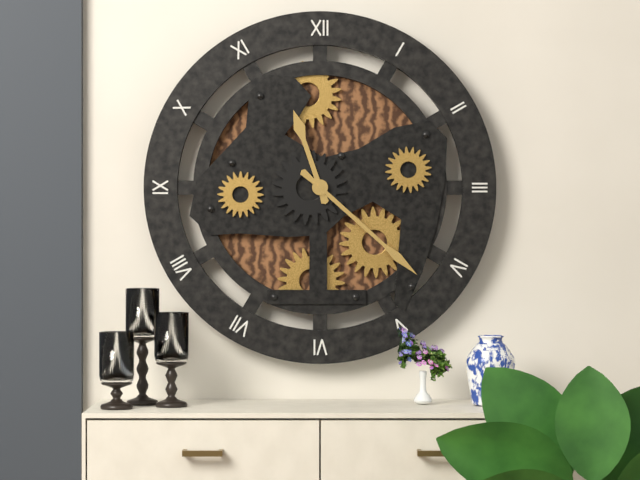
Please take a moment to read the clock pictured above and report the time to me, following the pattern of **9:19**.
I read **11:22**
